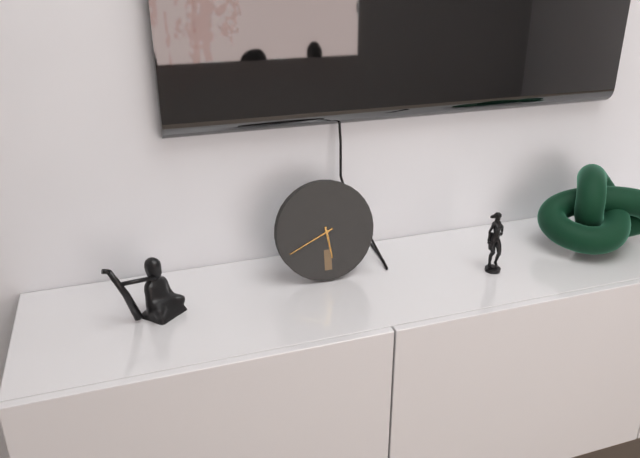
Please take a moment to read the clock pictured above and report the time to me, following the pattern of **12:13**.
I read **5:41**
